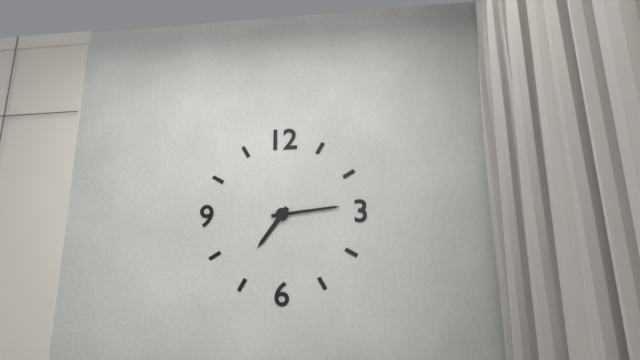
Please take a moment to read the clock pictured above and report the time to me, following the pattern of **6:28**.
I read **7:14**
